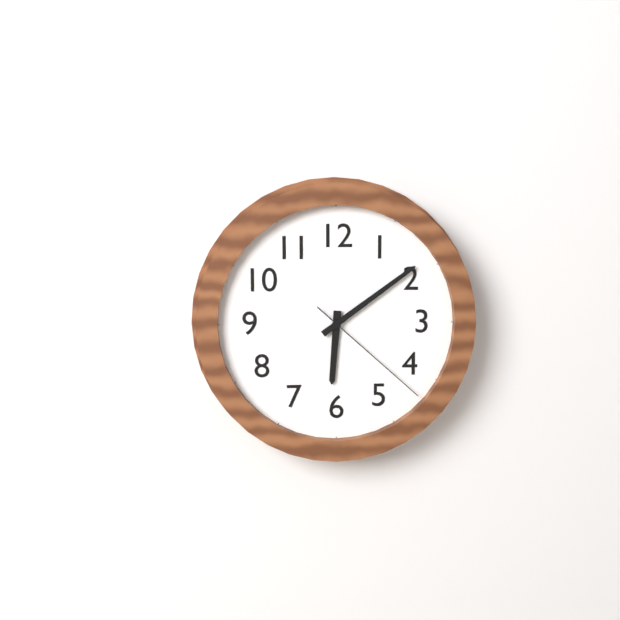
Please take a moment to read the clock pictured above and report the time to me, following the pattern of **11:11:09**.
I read **6:09:22**
